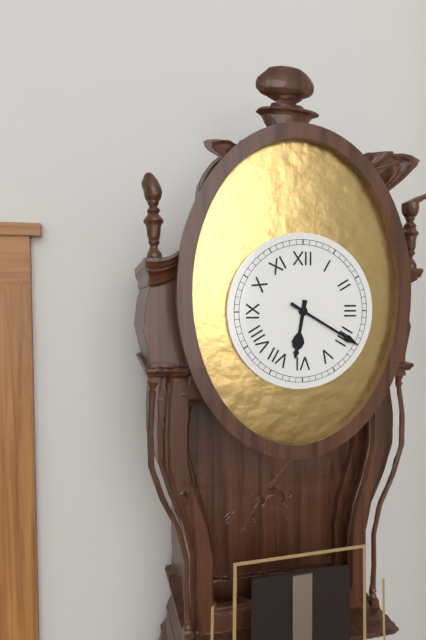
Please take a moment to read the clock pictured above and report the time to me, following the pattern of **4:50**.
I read **6:20**
